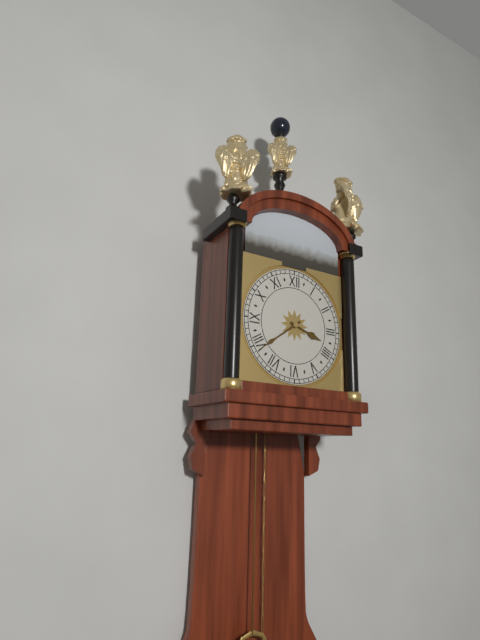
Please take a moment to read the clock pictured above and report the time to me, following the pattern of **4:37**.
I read **3:39**
